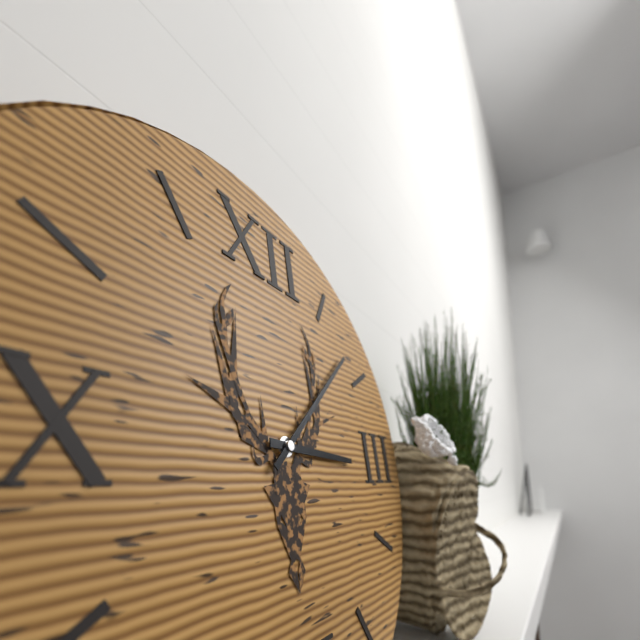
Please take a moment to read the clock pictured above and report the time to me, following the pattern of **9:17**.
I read **3:08**
